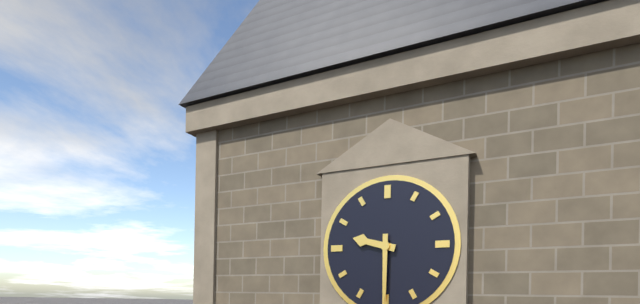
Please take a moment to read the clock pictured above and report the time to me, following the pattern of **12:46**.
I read **9:30**
